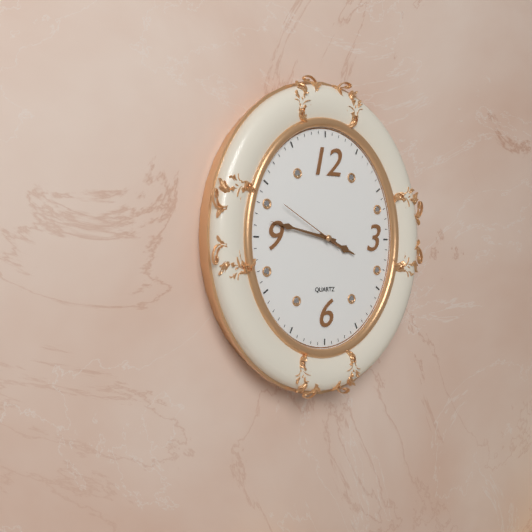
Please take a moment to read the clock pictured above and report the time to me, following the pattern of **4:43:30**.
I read **3:47:50**
